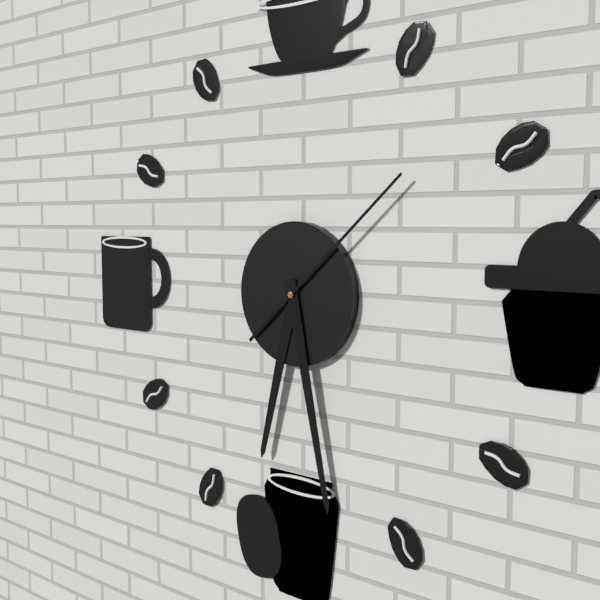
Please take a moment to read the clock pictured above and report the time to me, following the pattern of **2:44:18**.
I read **6:28:08**
